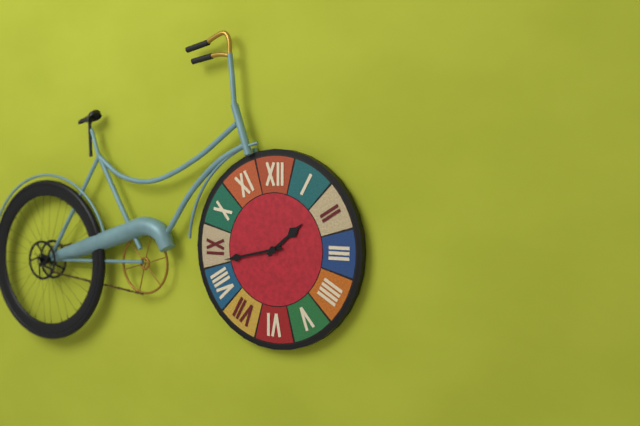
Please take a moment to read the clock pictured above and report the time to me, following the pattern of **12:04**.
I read **1:43**
